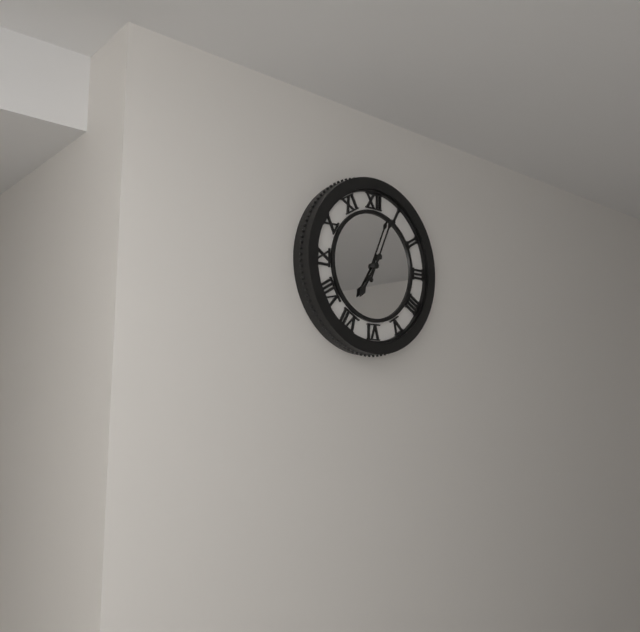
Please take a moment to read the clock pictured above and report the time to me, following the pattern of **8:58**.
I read **7:04**
